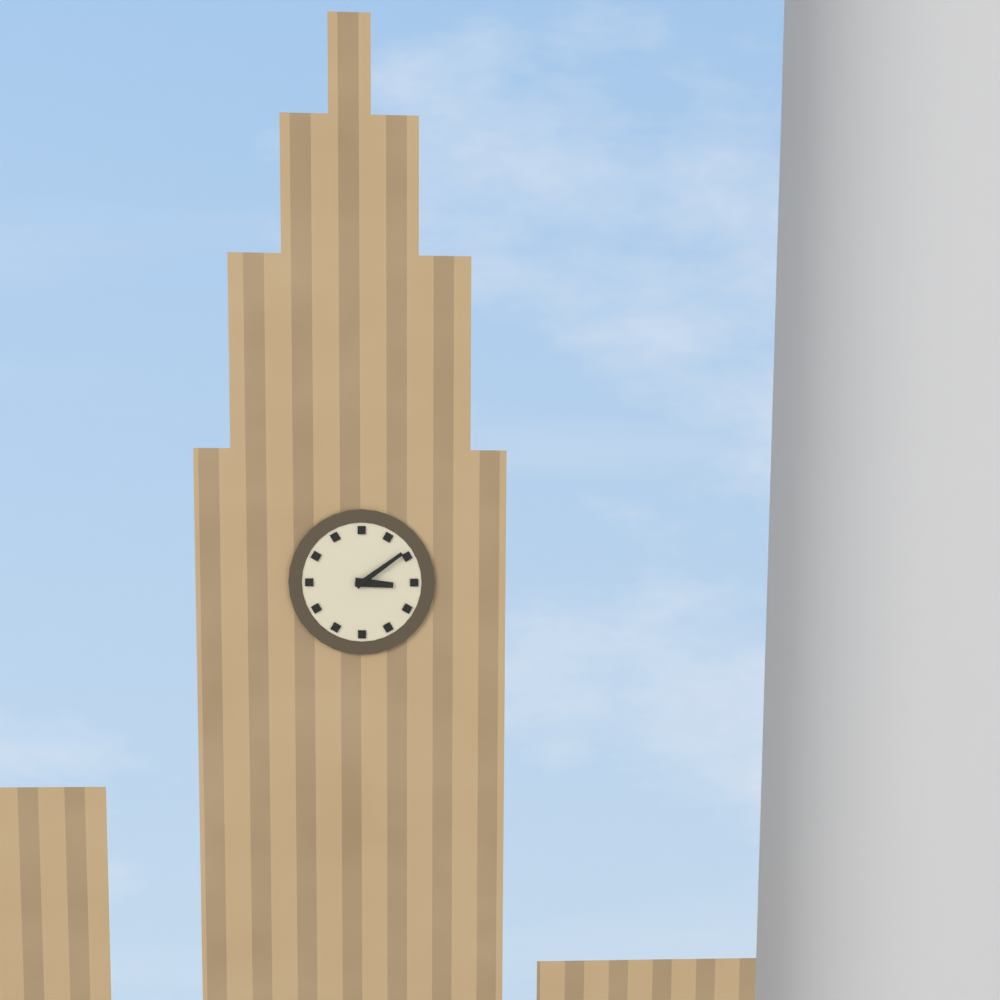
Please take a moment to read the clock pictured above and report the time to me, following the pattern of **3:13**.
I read **3:09**
